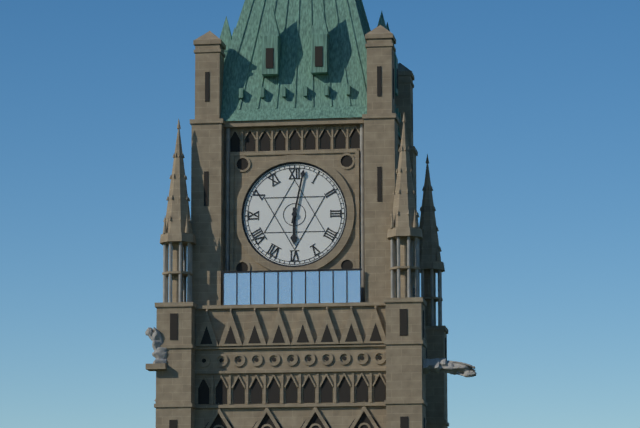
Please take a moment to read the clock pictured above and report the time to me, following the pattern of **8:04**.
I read **6:02**
